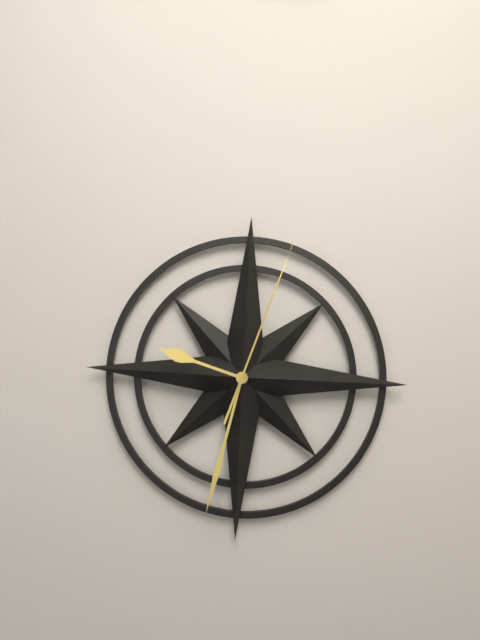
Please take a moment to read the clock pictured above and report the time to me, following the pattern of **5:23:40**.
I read **9:32:03**
